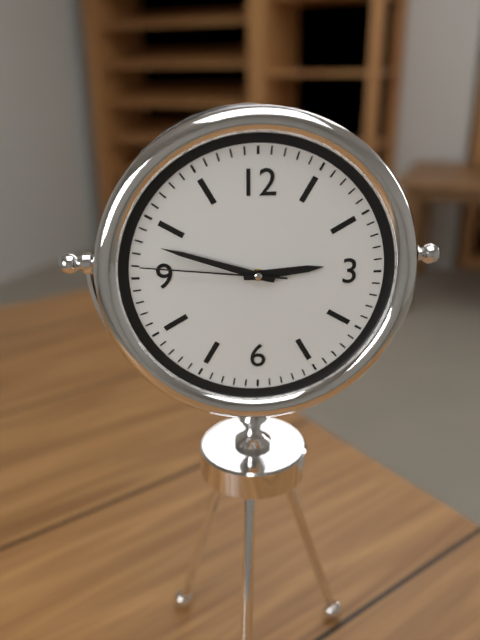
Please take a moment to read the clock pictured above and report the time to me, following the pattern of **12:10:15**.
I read **2:48:46**
